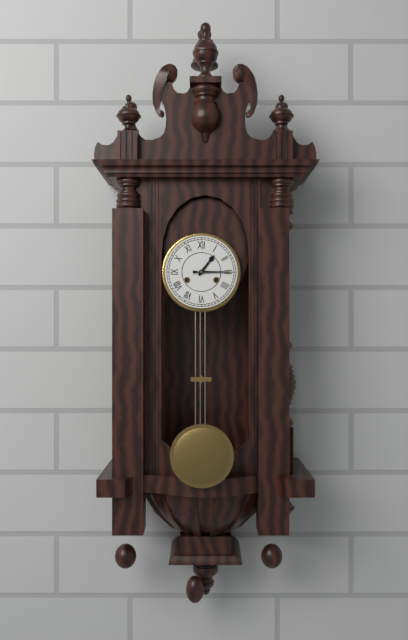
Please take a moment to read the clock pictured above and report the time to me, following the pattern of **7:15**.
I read **1:15**
